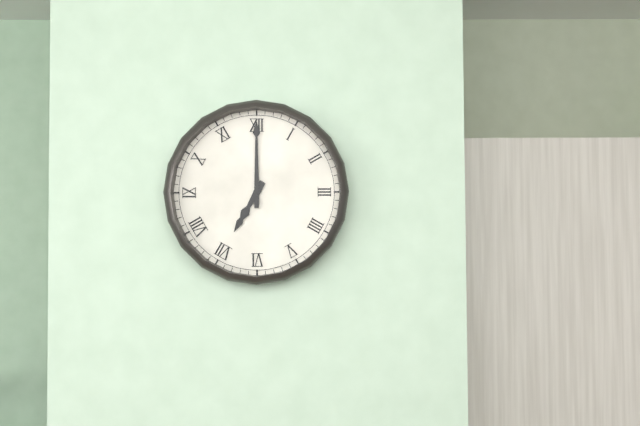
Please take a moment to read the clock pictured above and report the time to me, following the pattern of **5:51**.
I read **7:00**
